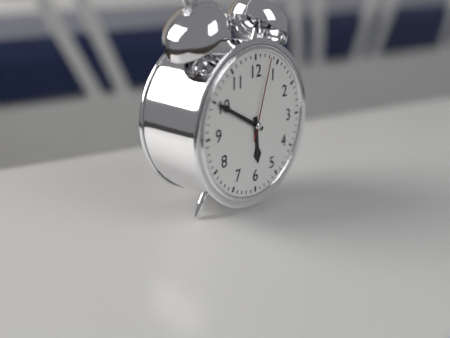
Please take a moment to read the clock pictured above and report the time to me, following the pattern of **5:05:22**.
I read **5:50:03**
